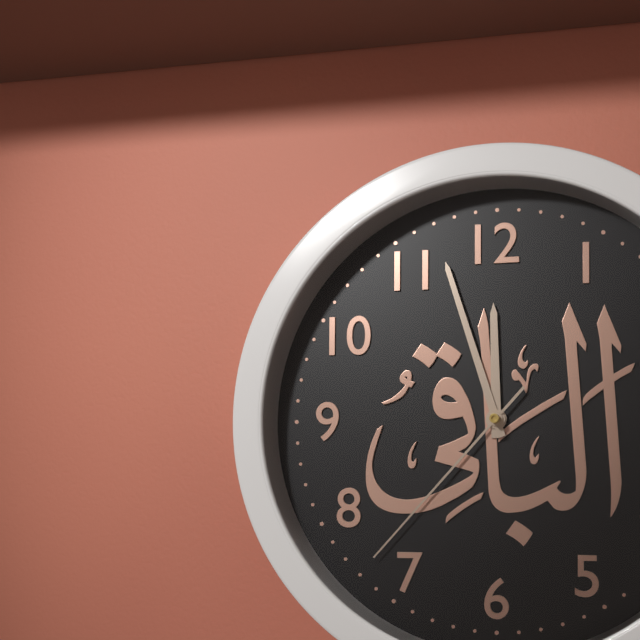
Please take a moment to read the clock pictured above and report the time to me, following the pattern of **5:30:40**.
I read **11:57:37**
